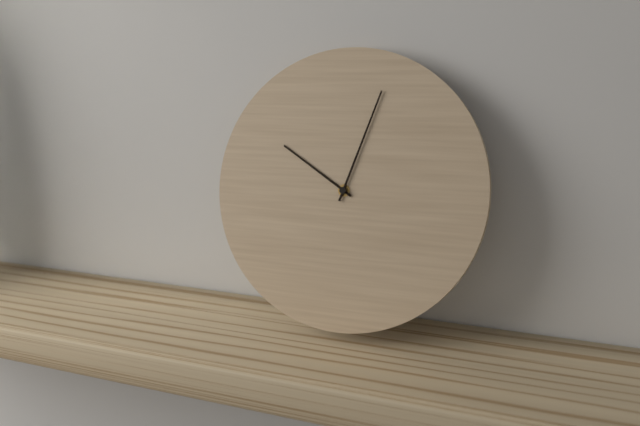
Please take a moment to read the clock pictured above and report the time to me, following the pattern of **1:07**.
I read **10:03**
